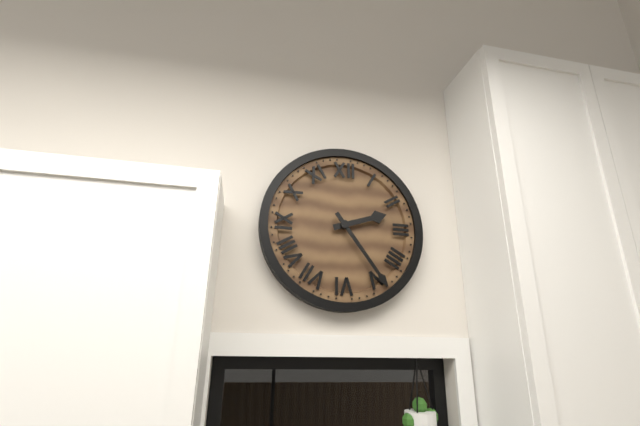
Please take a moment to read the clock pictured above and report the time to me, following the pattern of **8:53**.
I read **2:24**
